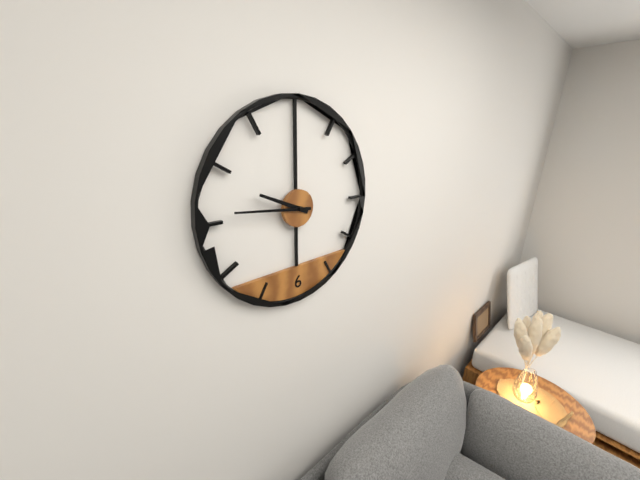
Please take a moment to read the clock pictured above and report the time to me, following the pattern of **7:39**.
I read **9:46**
